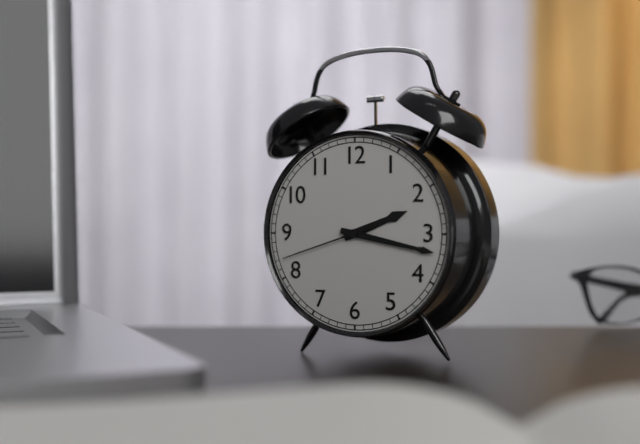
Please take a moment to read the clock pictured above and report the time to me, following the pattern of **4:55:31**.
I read **2:17:42**
